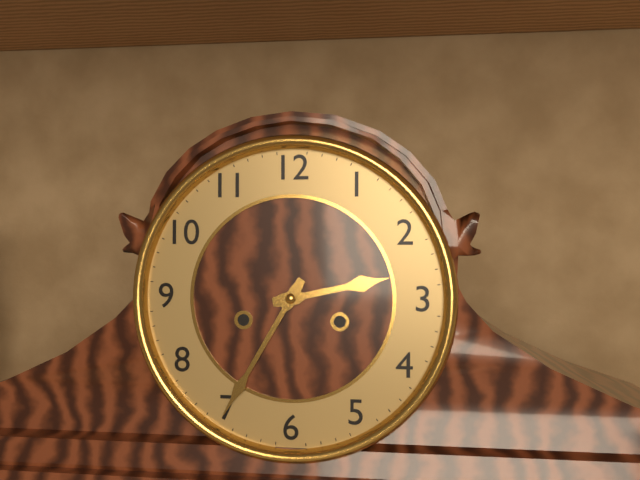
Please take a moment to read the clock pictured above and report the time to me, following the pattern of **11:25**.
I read **2:35**
